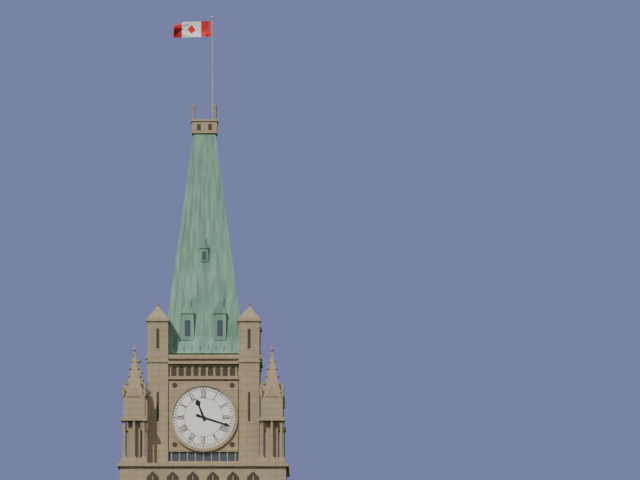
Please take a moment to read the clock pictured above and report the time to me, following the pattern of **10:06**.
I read **11:18**
